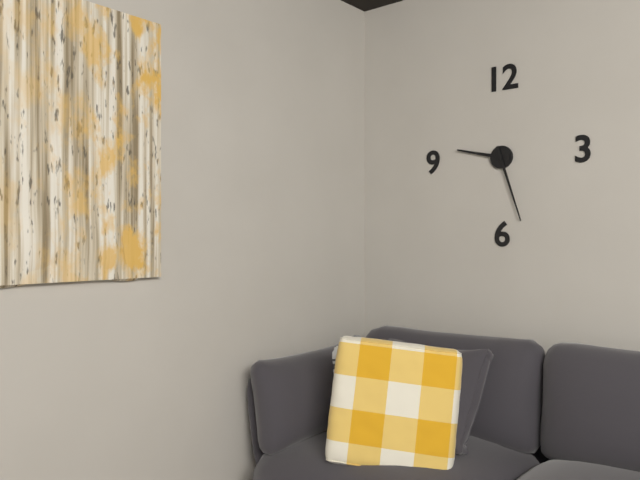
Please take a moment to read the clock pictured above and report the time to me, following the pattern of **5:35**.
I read **9:27**
